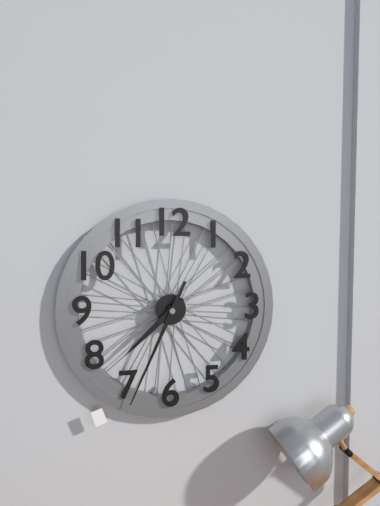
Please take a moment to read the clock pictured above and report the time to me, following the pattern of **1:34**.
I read **7:34**
